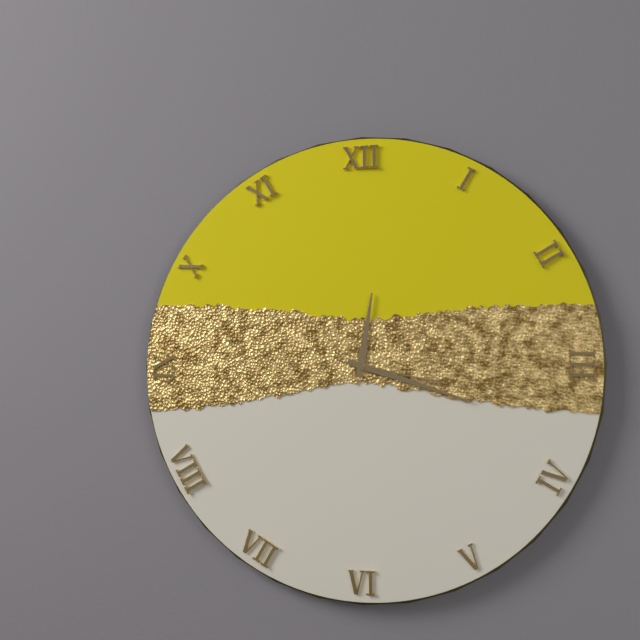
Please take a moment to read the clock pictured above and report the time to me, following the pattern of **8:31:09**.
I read **12:18:17**
